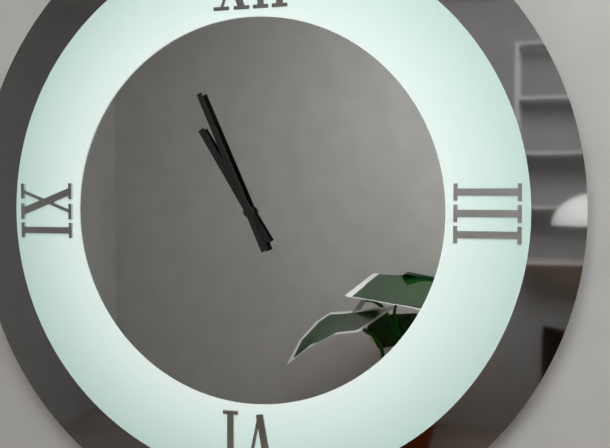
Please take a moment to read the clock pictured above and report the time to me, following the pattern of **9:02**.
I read **10:56**
